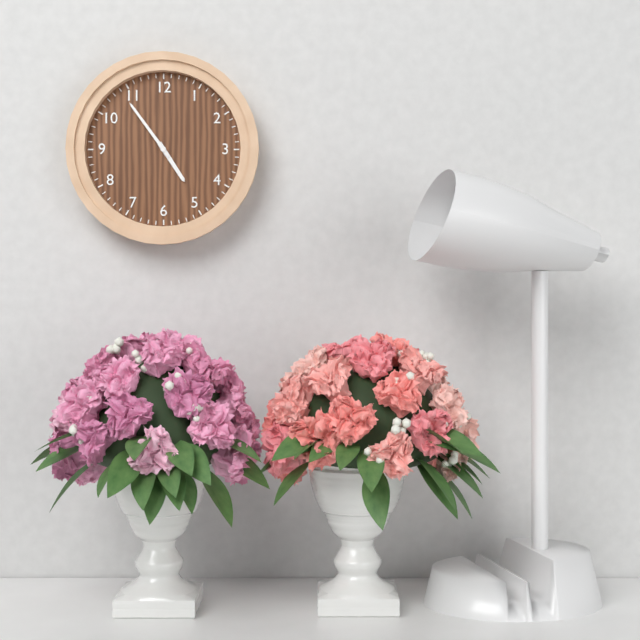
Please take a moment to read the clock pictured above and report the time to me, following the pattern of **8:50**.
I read **4:54**
